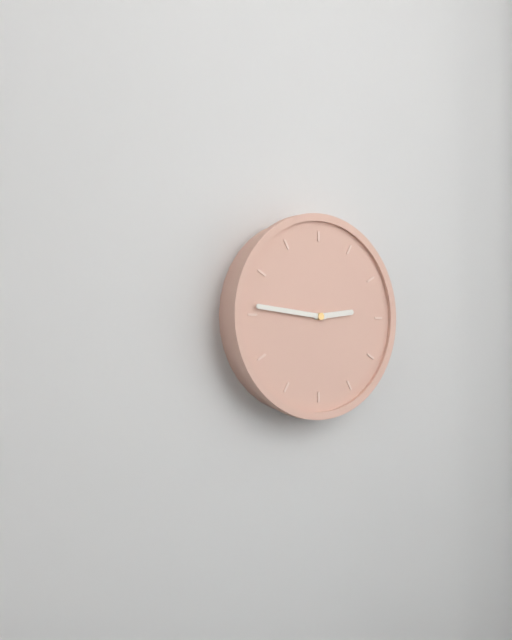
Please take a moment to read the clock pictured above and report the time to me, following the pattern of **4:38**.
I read **2:46**
